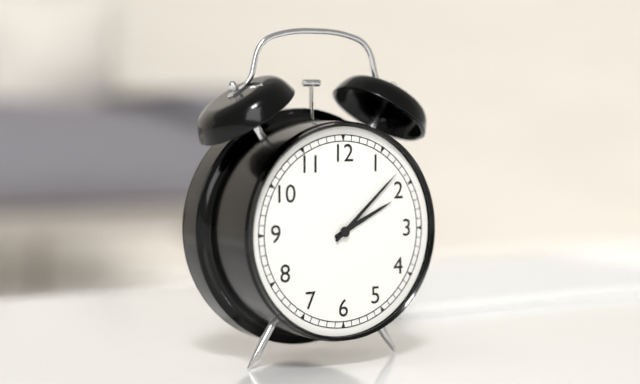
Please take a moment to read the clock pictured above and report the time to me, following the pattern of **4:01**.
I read **2:08**
